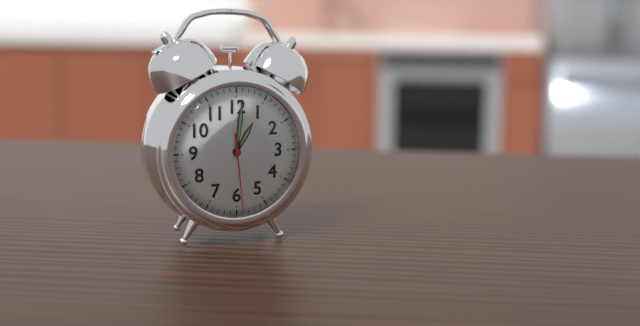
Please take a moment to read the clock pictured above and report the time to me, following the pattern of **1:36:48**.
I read **1:01:29**
